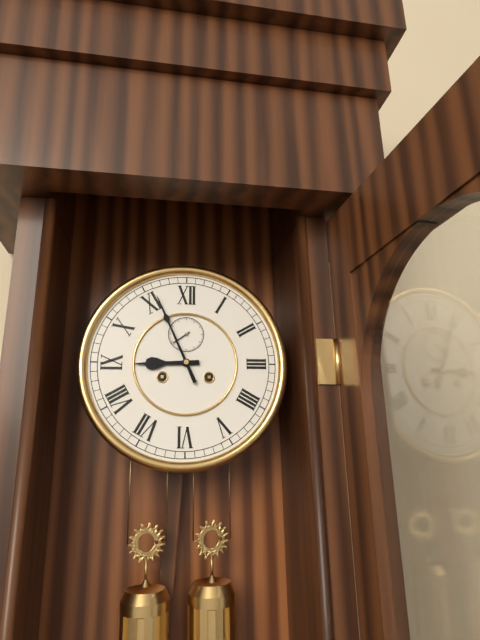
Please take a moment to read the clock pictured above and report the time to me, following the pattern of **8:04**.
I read **8:56**
